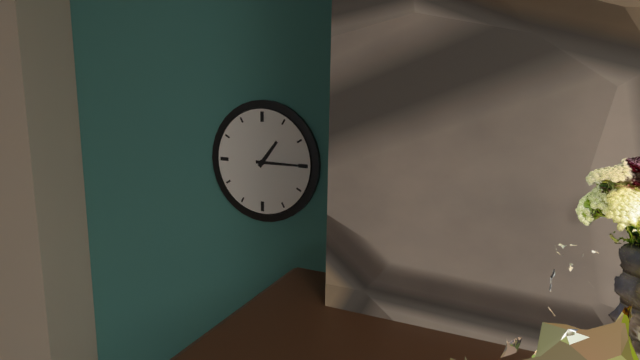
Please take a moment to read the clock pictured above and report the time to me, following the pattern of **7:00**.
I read **1:15**
